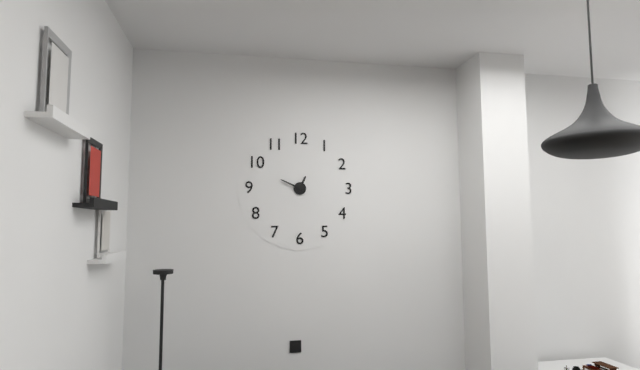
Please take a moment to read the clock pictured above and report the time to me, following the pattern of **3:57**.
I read **12:49**
